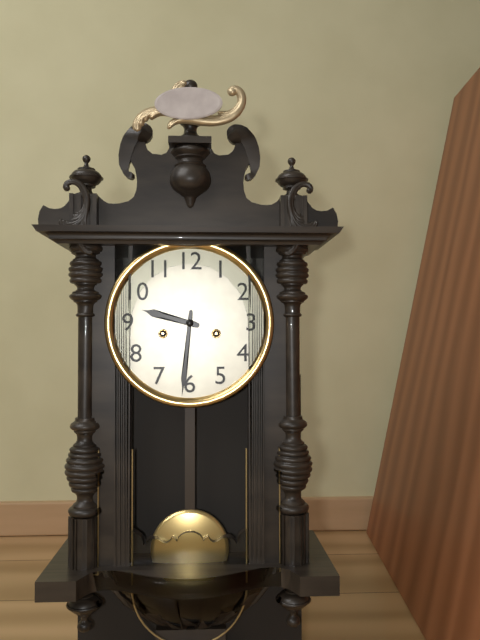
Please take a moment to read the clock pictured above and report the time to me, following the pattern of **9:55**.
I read **9:31**
